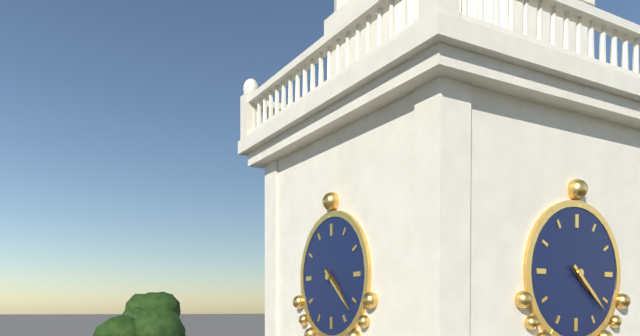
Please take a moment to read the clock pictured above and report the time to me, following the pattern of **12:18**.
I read **4:22**
